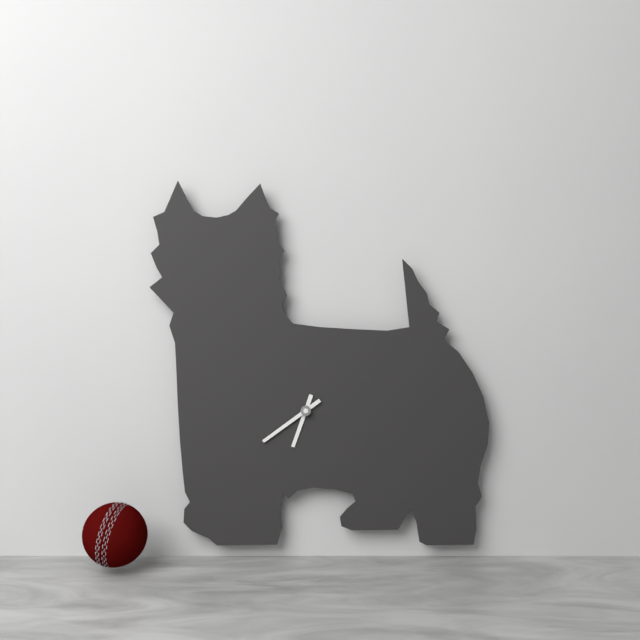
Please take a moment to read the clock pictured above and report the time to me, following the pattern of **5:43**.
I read **6:39**
